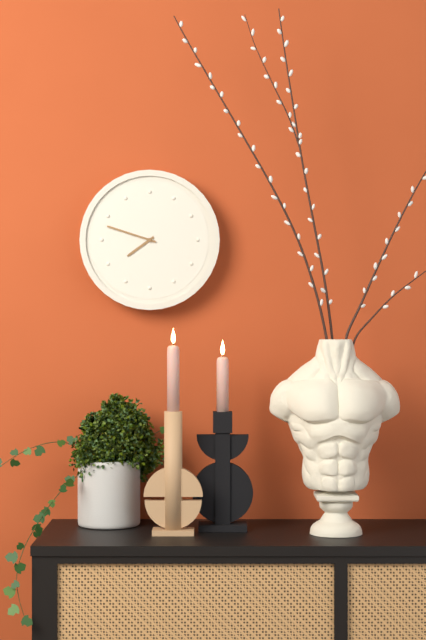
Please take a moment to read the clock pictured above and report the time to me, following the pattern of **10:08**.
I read **7:48**
